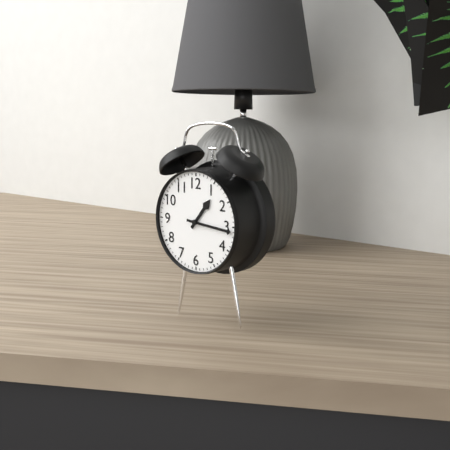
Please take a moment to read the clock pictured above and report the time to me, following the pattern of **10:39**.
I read **1:16**
